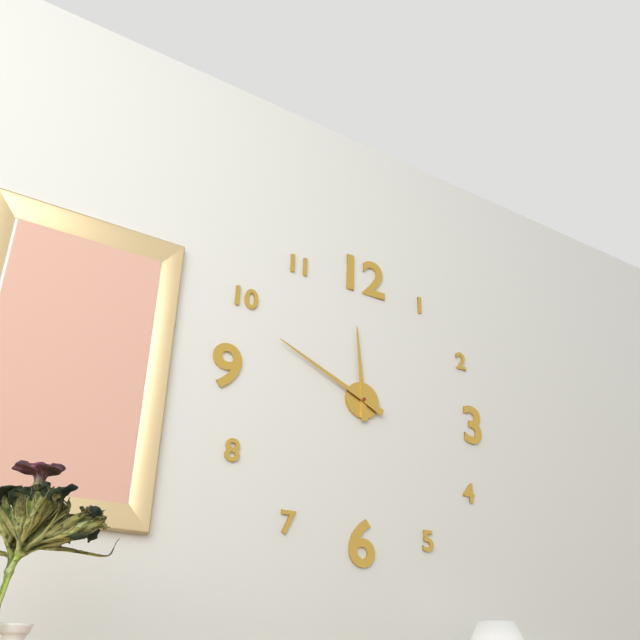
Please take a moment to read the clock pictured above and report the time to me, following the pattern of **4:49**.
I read **11:49**
